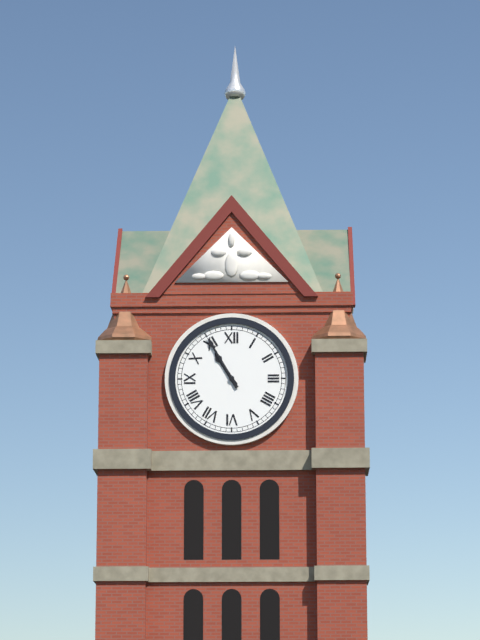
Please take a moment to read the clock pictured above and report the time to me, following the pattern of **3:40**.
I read **10:55**
